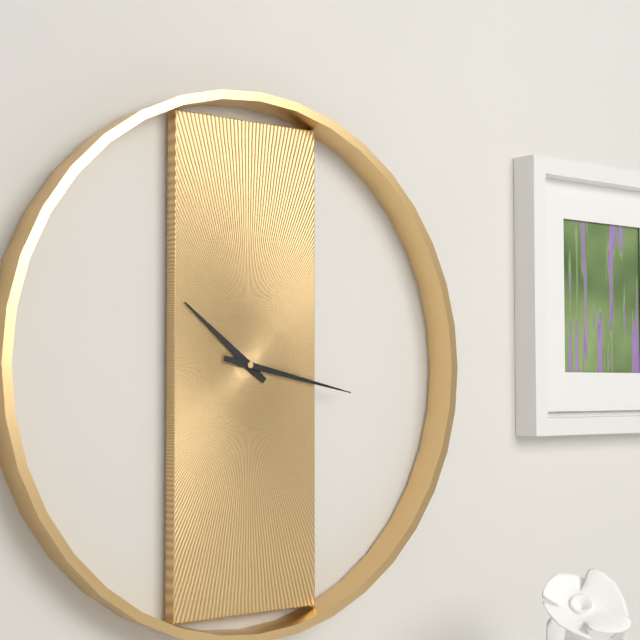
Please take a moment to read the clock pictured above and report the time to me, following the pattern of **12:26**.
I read **10:17**
